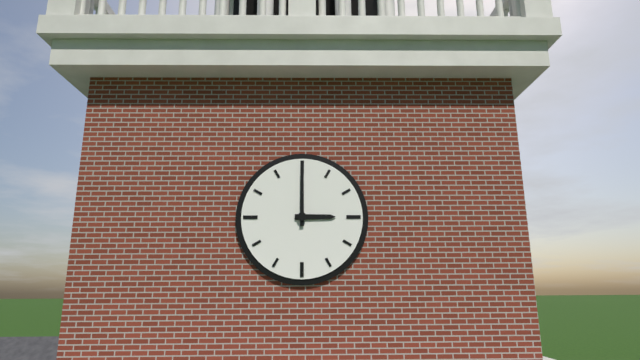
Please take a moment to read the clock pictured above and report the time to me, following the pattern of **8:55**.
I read **3:00**
